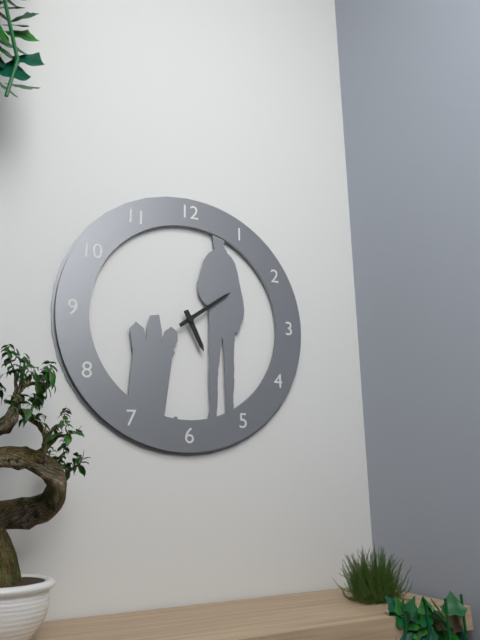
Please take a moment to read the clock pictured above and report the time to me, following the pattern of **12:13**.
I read **5:09**
